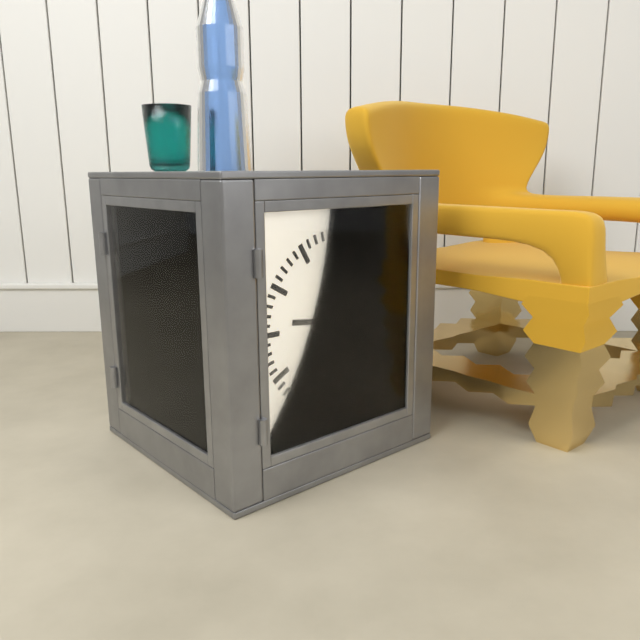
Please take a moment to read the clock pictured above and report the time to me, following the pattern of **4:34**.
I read **9:16**
